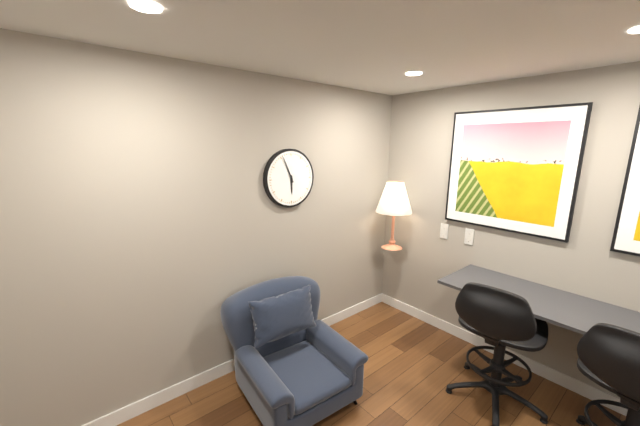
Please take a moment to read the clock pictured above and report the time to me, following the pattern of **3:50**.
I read **5:56**
